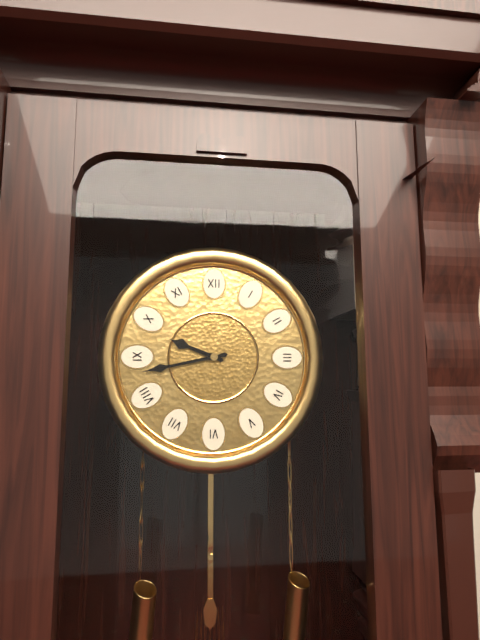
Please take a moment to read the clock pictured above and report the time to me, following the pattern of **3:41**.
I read **9:43**
